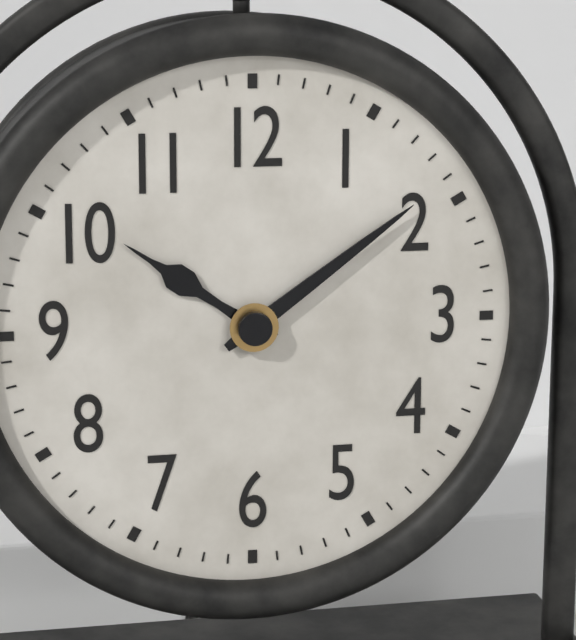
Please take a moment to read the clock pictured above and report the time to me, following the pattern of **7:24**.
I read **10:09**
